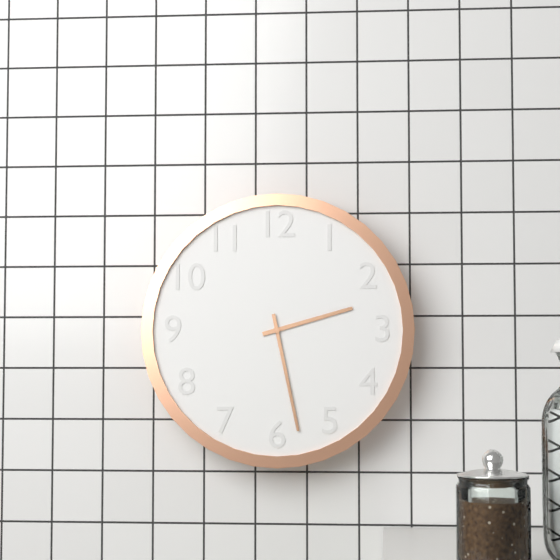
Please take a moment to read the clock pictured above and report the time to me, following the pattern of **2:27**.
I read **2:28**
